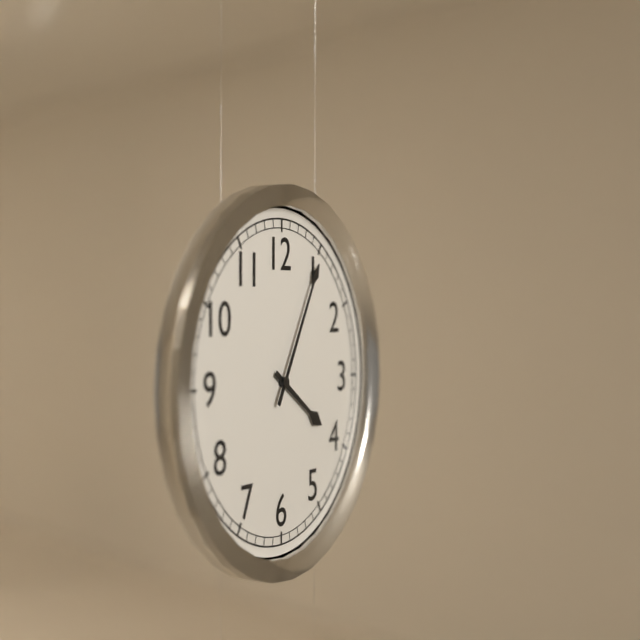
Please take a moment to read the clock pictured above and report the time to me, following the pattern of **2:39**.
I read **4:05**
